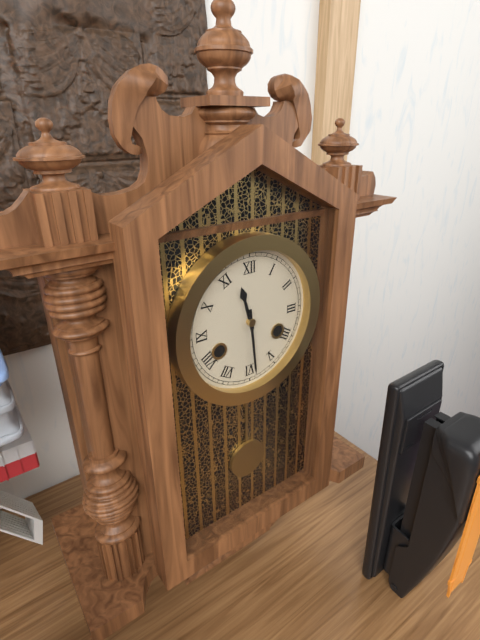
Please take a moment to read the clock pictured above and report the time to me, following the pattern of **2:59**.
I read **11:29**
